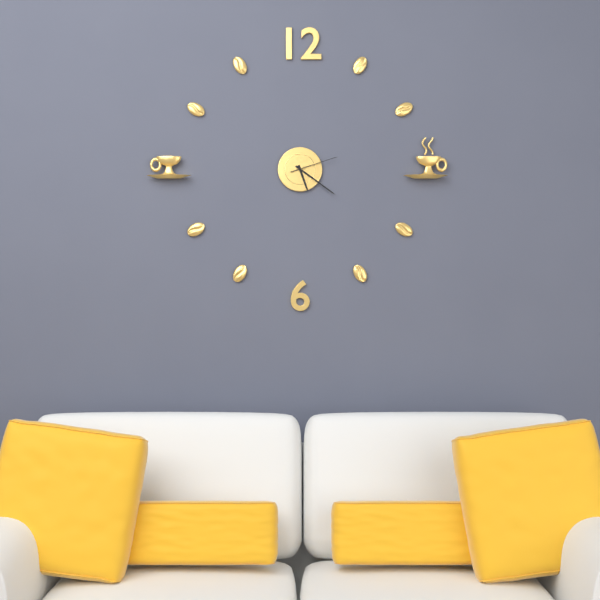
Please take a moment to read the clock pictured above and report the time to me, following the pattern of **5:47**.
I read **5:21**
